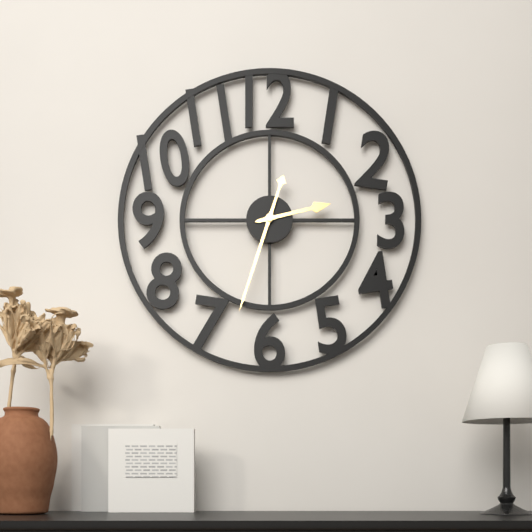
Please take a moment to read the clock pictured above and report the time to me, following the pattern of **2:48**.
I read **2:33**
